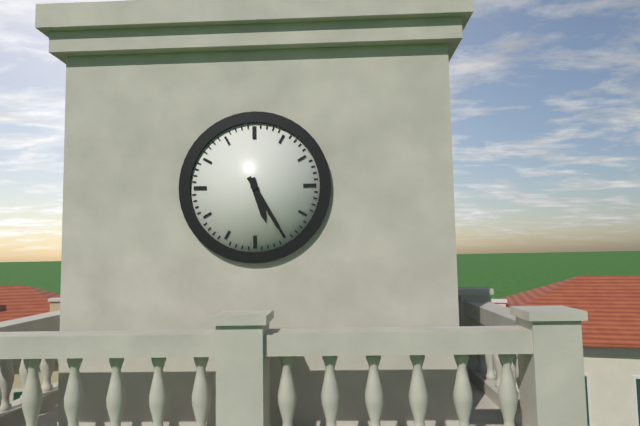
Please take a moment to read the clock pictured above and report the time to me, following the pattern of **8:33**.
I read **5:25**
